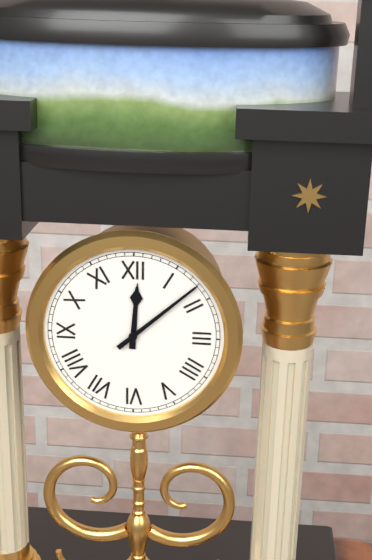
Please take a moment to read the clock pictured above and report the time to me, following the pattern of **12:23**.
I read **12:08**
